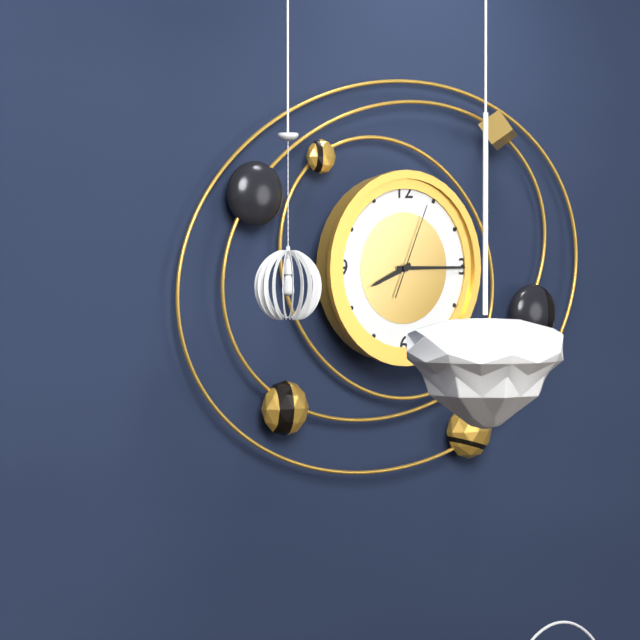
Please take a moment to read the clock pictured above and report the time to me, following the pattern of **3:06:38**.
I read **8:15:04**
